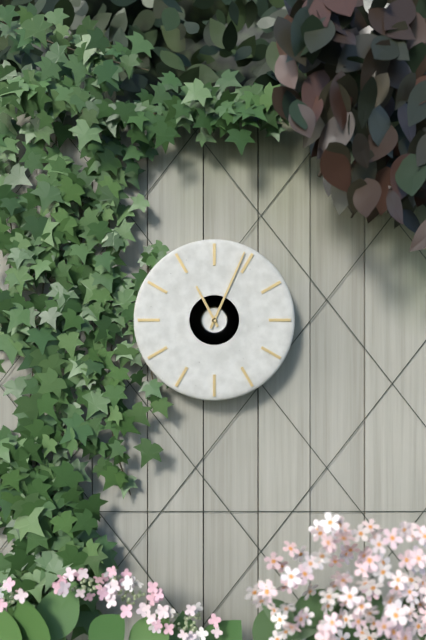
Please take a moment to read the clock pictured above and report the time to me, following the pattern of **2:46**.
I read **11:04**
